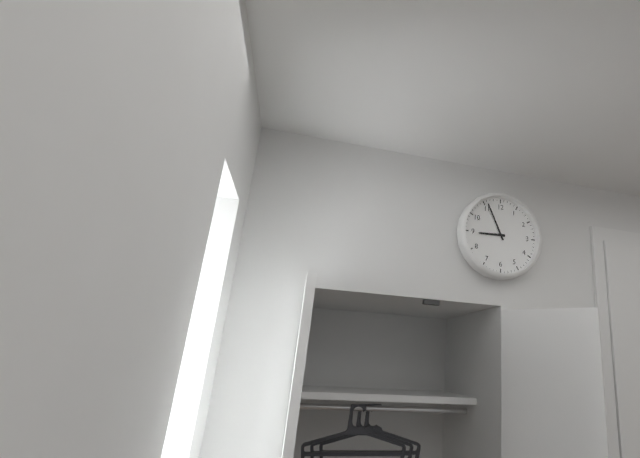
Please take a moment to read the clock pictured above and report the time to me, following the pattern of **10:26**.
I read **8:56**
